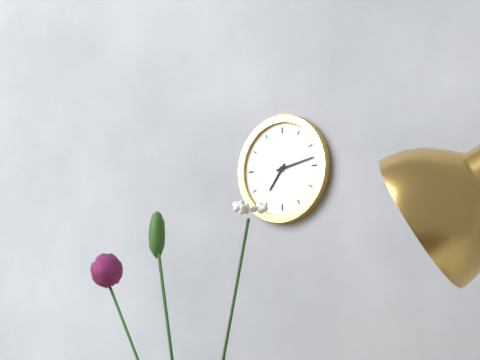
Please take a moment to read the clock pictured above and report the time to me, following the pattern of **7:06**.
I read **7:13**
